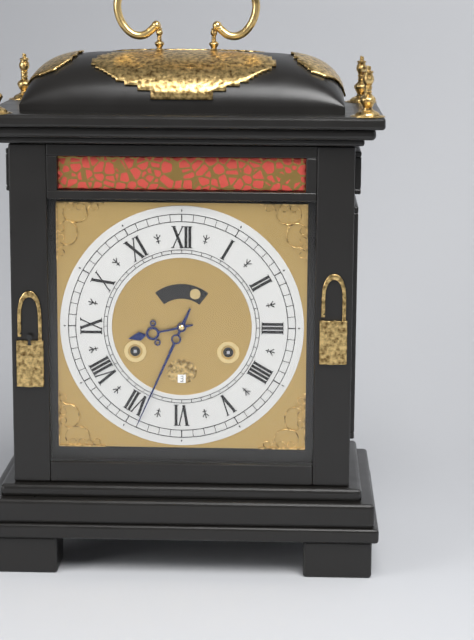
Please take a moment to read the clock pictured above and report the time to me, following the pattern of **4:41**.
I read **8:34**
